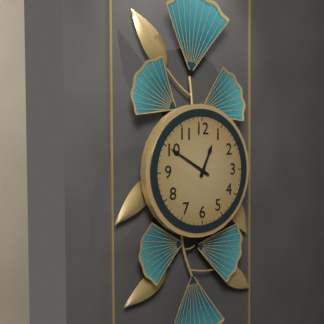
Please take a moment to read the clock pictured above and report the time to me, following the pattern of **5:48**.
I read **12:50**
